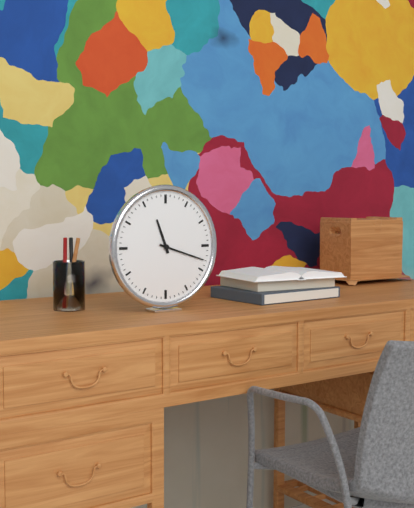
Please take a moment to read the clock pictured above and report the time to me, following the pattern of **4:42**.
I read **11:18**
